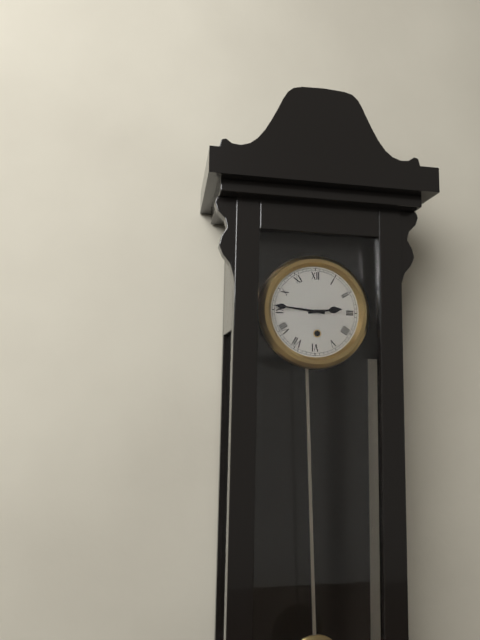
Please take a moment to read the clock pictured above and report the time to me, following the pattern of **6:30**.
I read **2:46**
